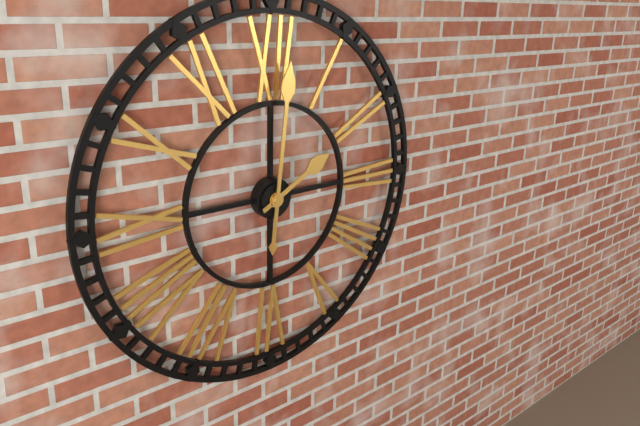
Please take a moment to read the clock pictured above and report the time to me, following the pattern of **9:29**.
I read **2:01**
